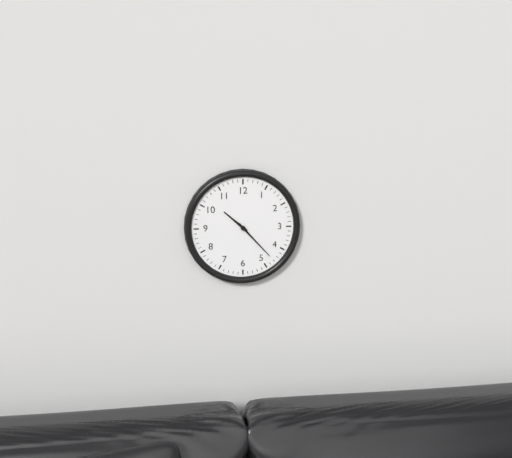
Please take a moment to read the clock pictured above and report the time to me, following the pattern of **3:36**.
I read **10:23**
